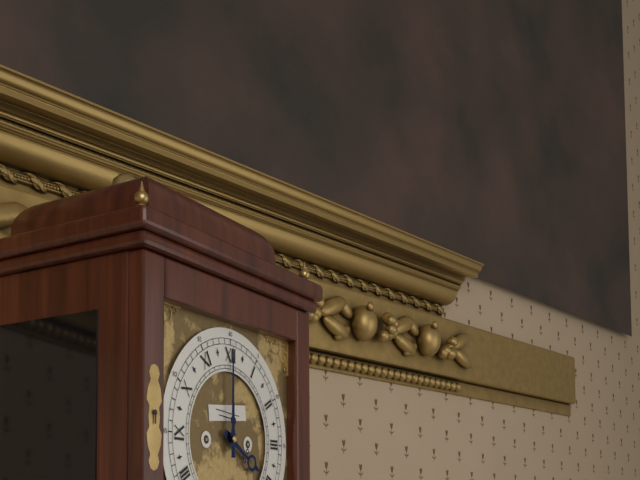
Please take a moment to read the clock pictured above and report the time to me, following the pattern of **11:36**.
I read **4:00**
